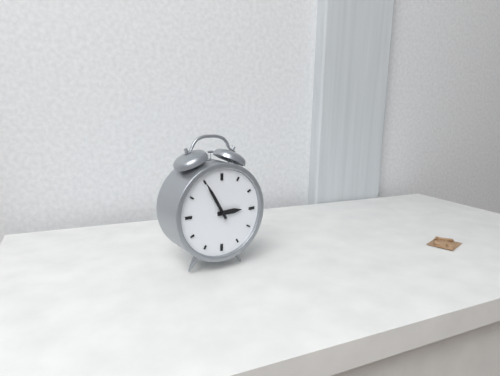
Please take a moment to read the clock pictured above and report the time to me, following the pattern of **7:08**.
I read **2:55**
